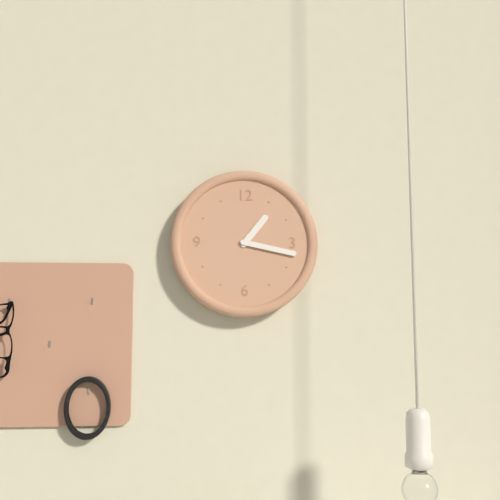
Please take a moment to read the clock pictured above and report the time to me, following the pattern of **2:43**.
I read **1:17**
